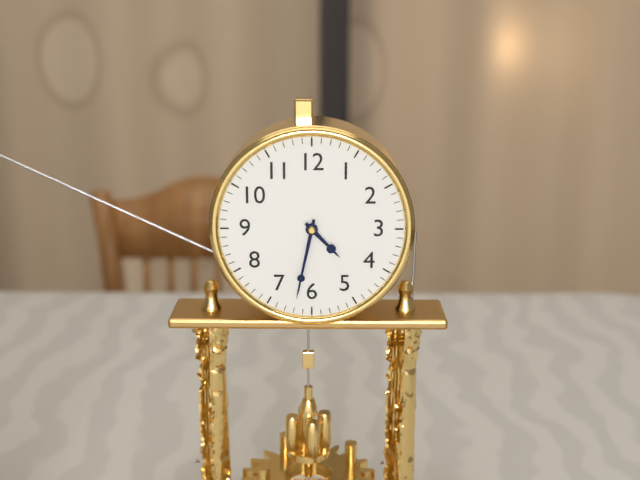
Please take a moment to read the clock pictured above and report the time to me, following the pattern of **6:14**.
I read **4:32**
